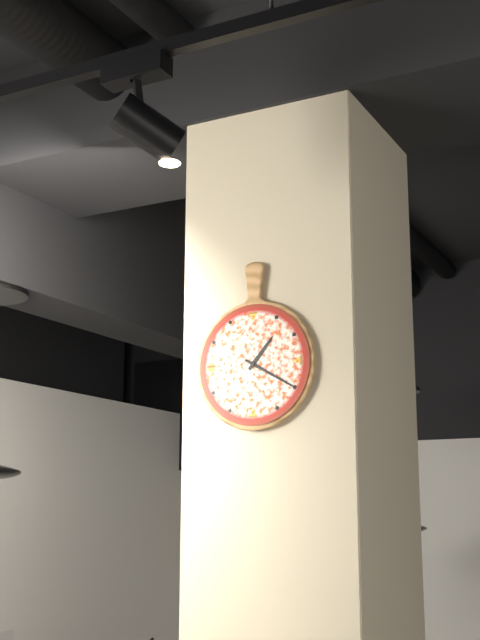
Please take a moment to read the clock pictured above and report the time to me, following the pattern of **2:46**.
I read **1:20**
